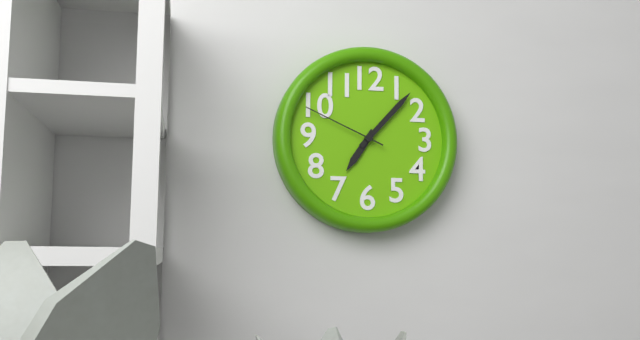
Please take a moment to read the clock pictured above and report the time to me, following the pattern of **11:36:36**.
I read **7:07:49**
